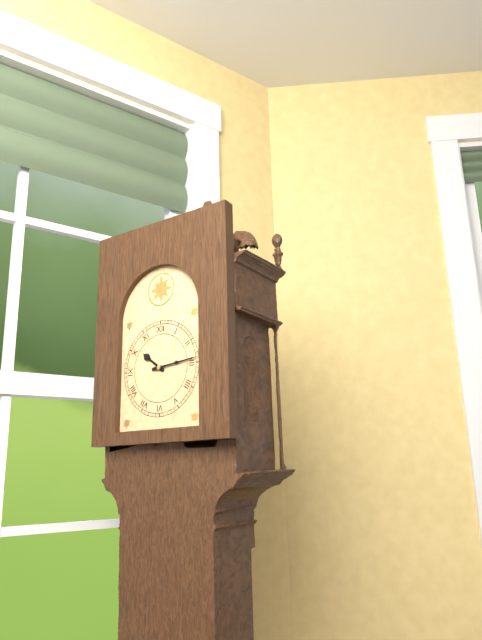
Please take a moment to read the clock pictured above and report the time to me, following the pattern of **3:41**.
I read **10:14**
